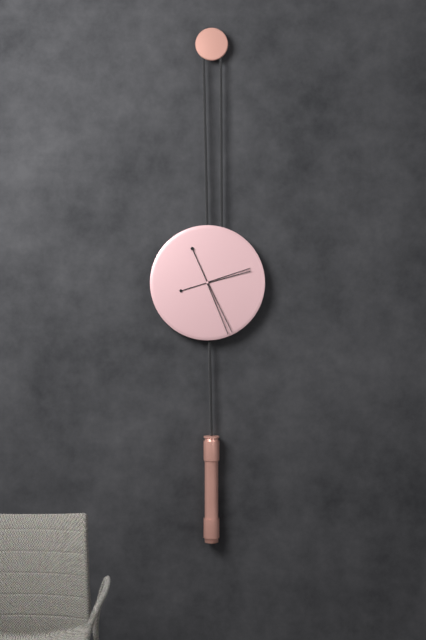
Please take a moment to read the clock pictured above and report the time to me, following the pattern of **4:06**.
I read **2:26**
